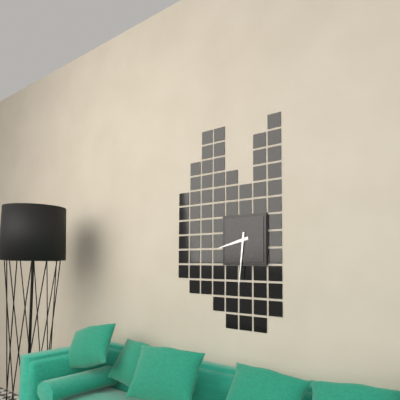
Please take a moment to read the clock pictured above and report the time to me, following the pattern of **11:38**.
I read **8:31**
